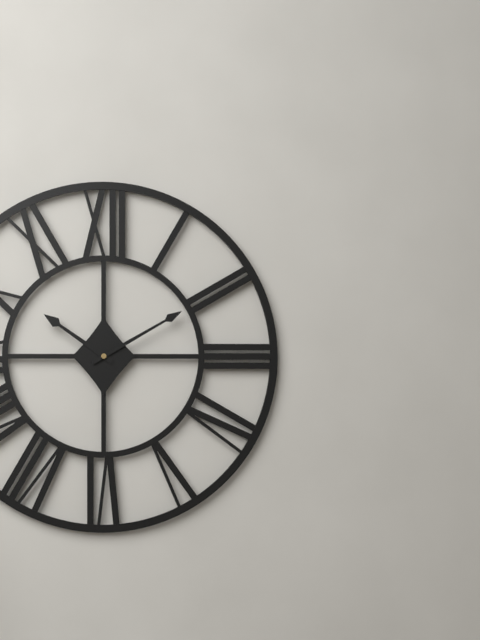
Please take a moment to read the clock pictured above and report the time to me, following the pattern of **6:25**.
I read **10:10**
